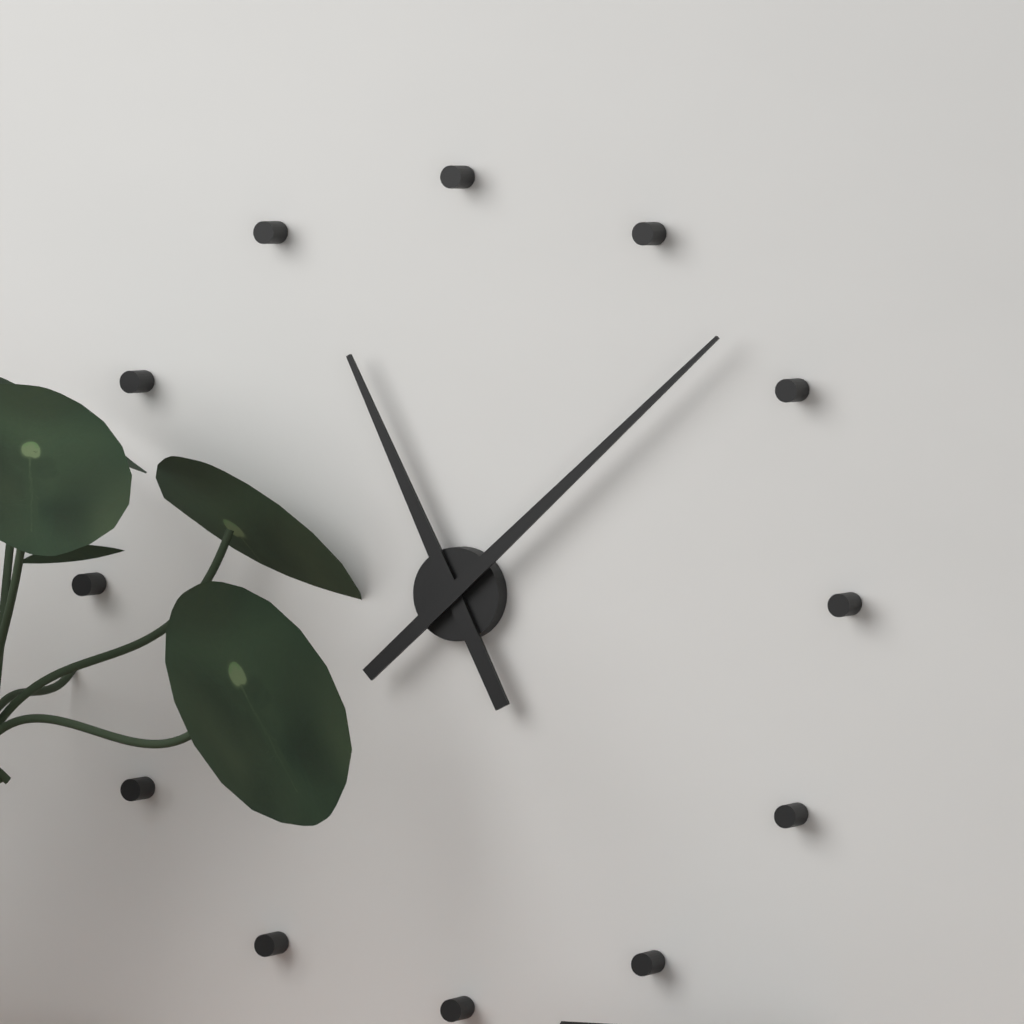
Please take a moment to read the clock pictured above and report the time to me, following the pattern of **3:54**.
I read **11:08**
